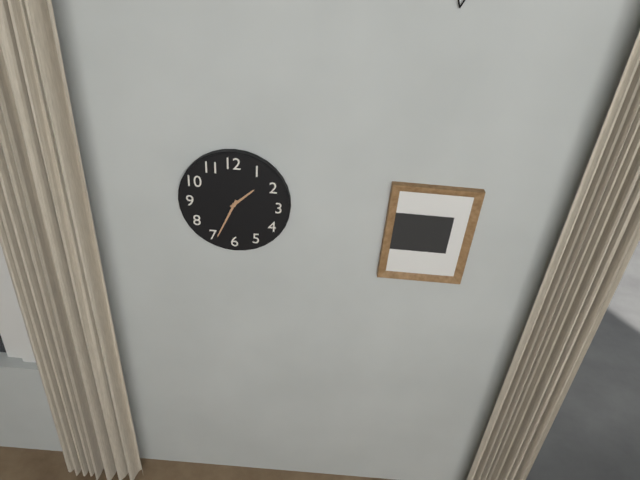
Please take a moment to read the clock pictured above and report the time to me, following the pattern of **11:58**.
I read **1:34**
